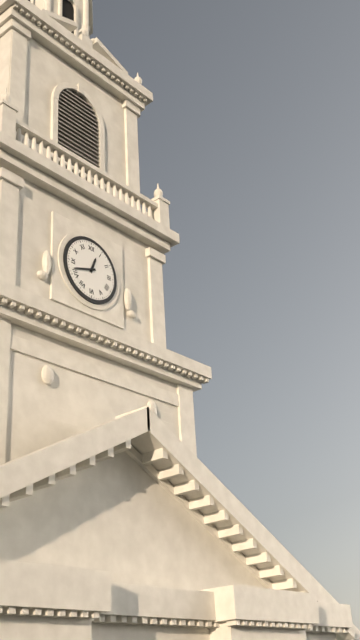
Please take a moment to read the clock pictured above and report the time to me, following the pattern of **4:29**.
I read **12:42**
